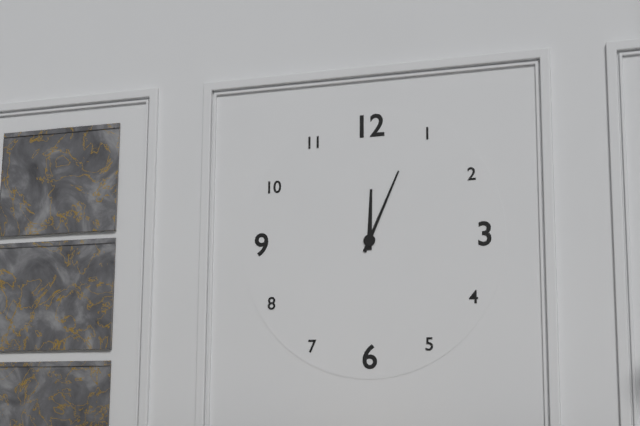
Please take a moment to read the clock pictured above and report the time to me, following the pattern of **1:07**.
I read **12:04**
